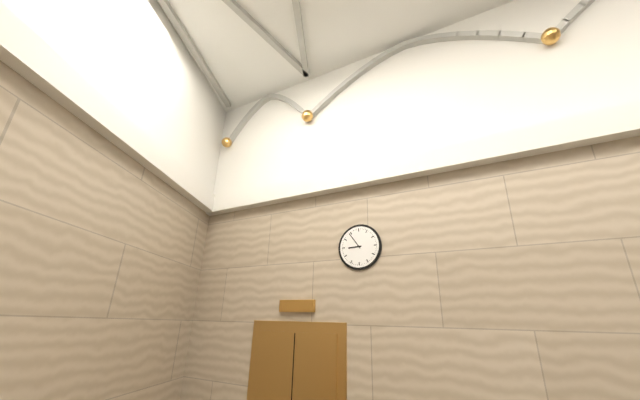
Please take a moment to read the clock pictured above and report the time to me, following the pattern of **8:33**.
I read **8:54**
